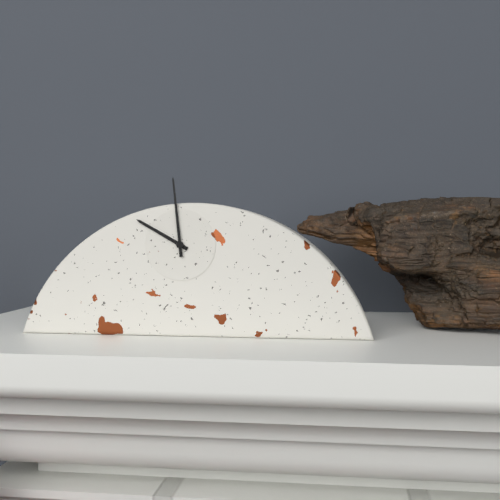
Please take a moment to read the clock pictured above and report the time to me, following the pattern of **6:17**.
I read **9:59**
